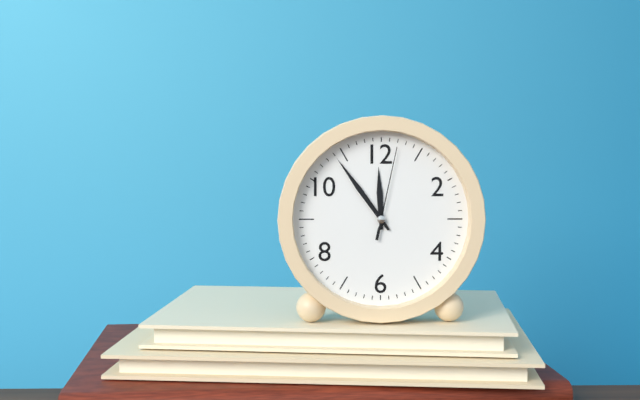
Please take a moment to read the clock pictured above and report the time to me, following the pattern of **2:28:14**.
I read **11:54:02**
